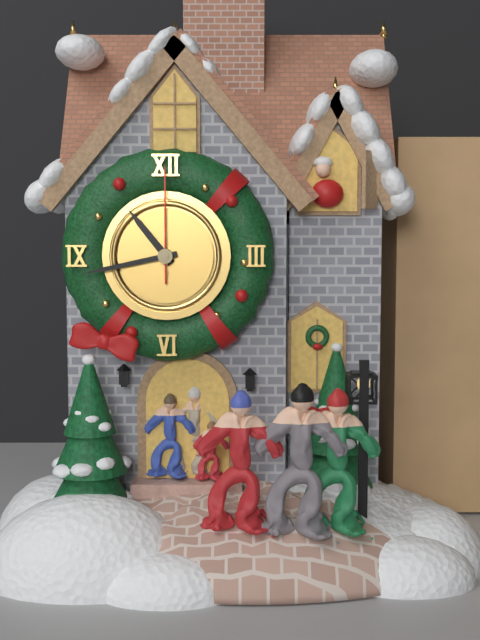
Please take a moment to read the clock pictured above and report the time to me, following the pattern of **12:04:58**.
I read **10:43:00**
